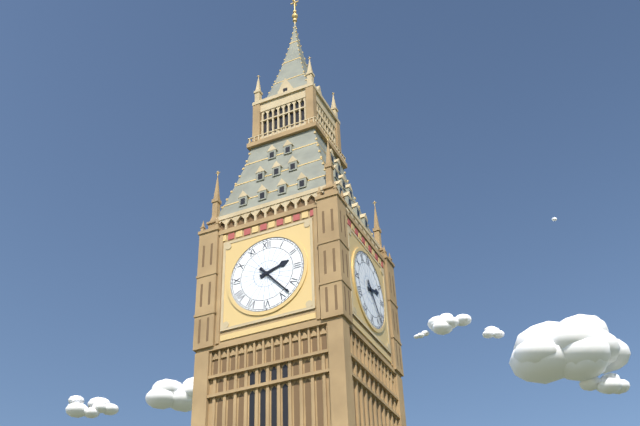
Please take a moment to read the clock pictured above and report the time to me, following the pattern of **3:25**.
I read **2:23**
